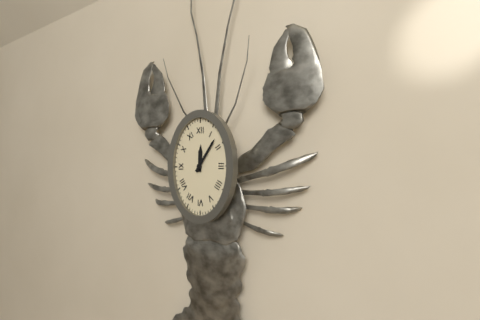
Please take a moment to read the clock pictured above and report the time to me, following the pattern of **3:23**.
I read **12:06**
